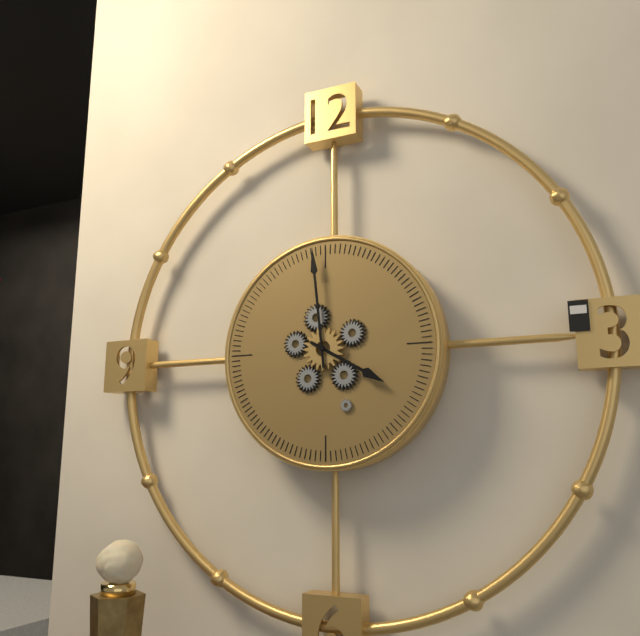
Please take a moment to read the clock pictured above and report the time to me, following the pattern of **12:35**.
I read **3:59**
